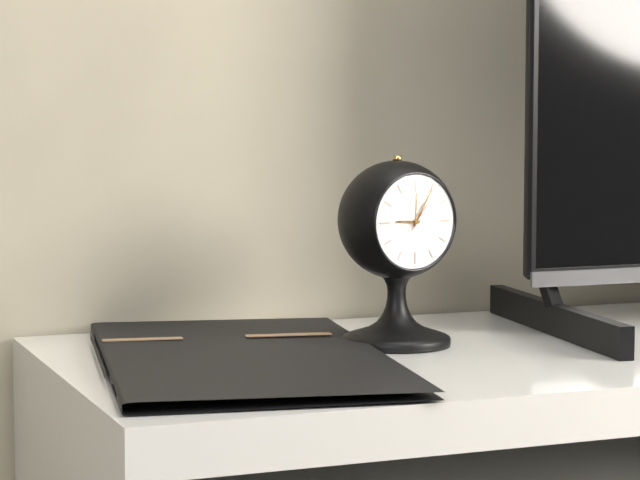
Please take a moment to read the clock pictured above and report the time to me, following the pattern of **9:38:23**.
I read **9:05:06**
